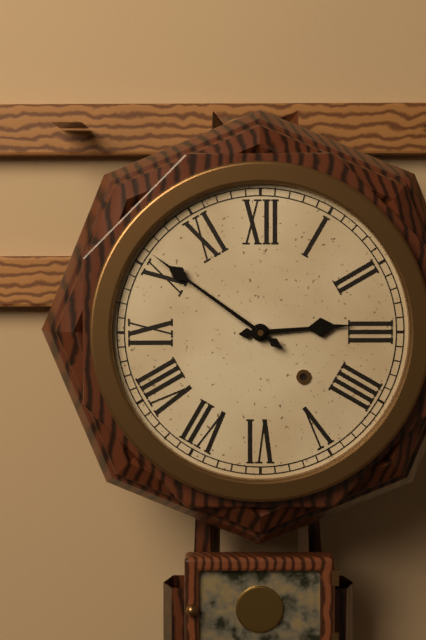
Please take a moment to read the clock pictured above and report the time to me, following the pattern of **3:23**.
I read **2:51**
